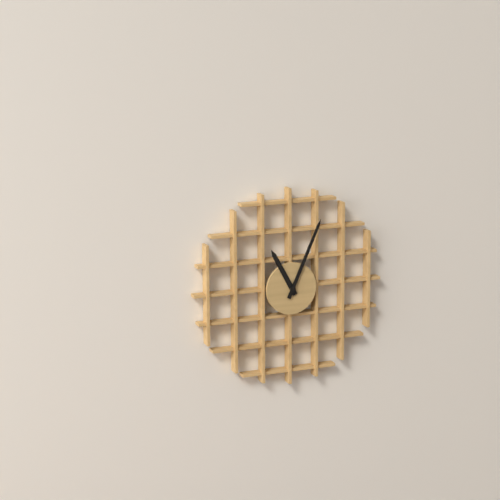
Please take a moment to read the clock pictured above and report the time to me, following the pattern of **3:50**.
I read **11:04**
